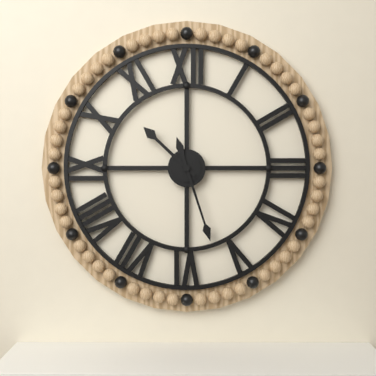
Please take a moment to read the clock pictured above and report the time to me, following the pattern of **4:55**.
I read **10:27**
